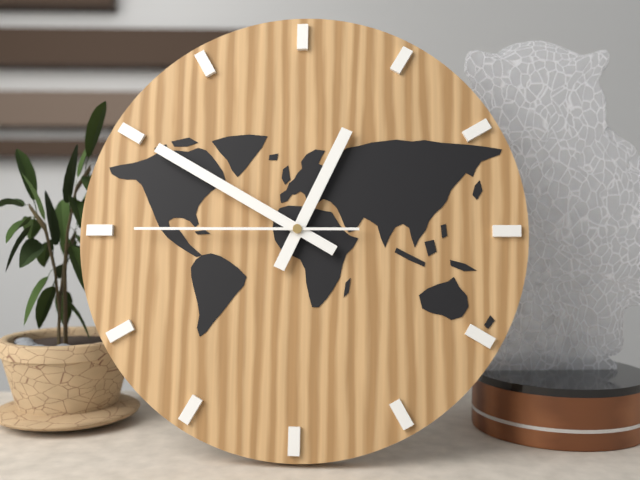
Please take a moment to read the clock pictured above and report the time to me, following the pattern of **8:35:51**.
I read **12:50:45**
